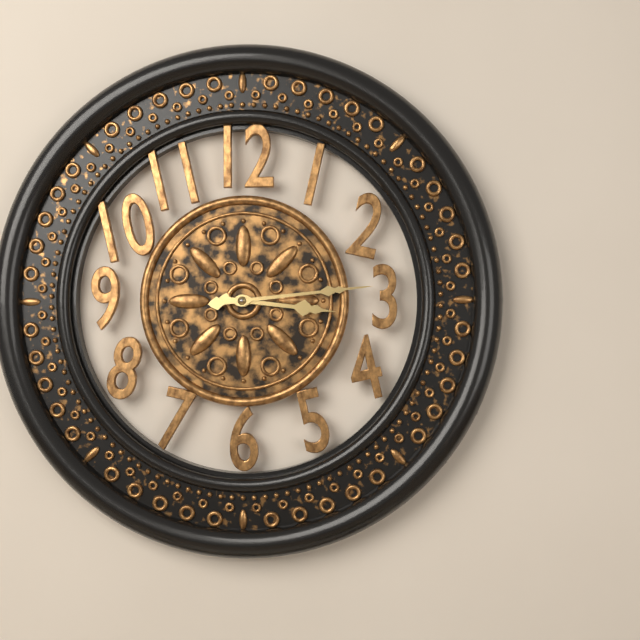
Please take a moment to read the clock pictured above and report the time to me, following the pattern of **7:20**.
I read **3:14**
